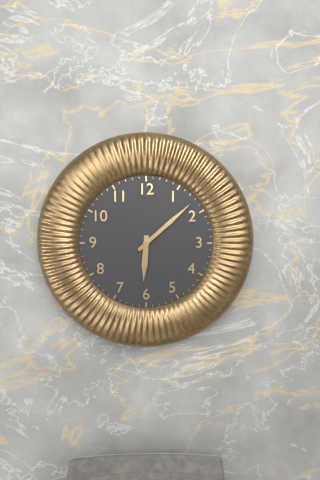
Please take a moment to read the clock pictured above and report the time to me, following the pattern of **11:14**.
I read **6:08**
